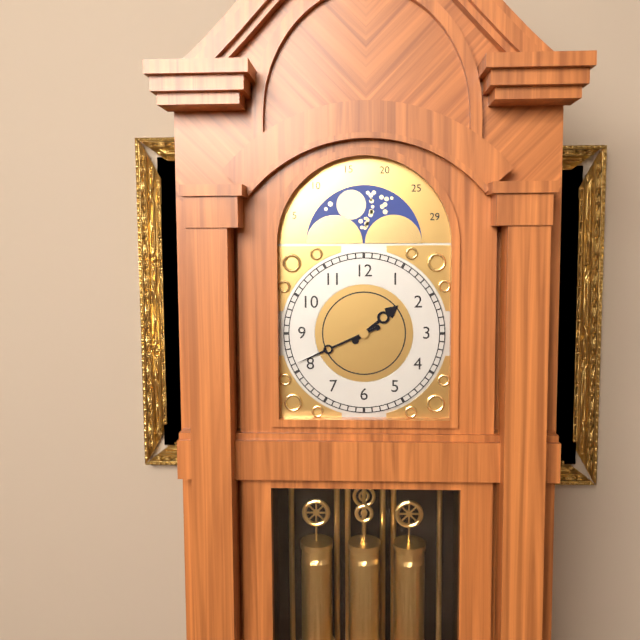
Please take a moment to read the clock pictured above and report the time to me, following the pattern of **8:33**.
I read **1:41**
